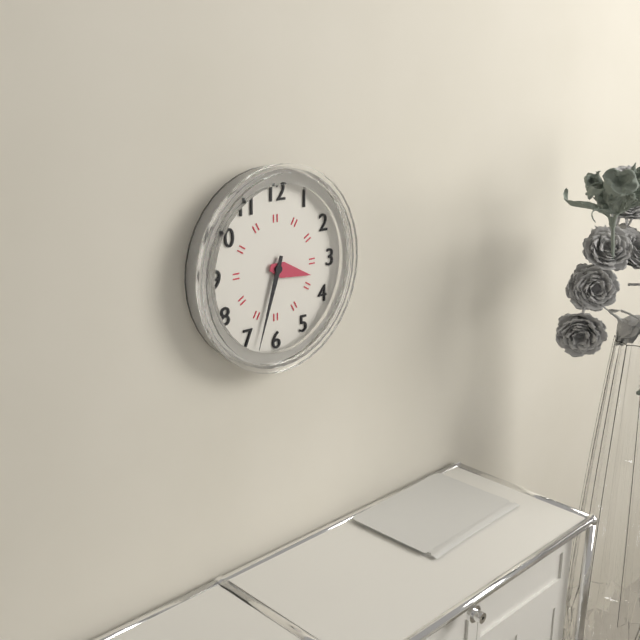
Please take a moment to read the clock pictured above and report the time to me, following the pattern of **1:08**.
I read **3:33**
